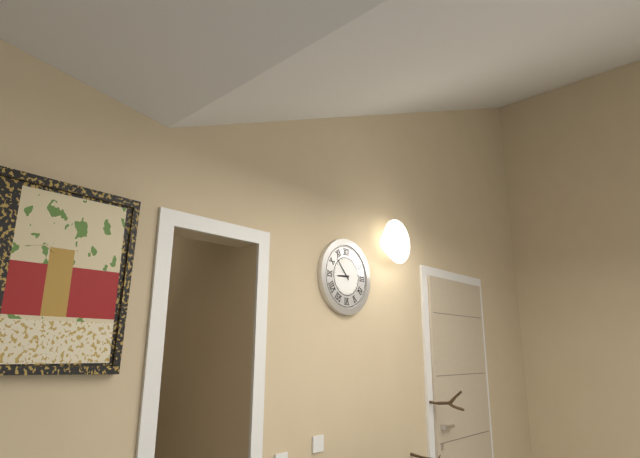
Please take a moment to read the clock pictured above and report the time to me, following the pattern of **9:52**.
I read **8:53**
